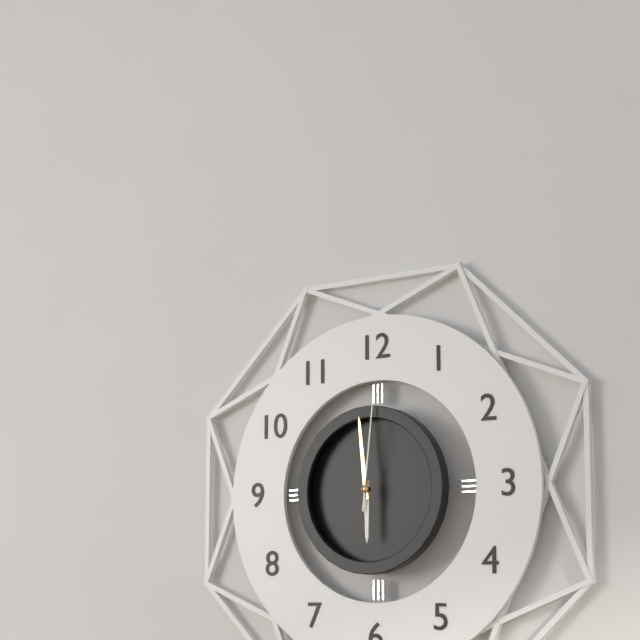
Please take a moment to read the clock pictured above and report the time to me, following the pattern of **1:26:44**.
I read **5:59:01**
